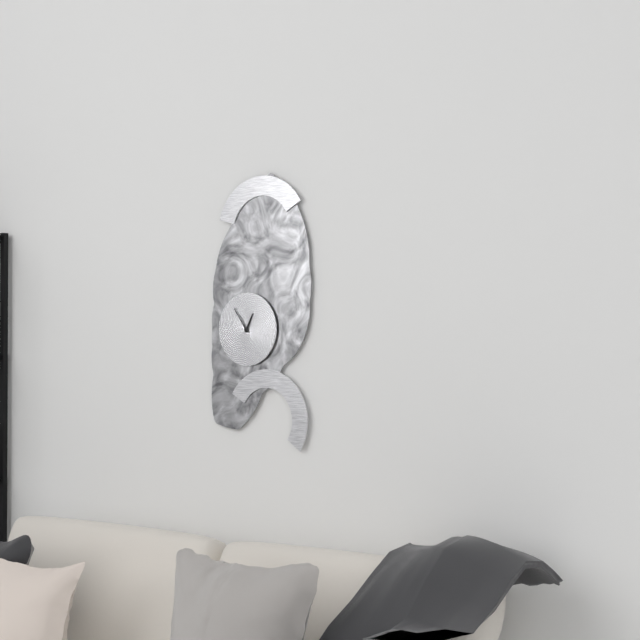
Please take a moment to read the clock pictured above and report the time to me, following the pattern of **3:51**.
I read **12:54**
